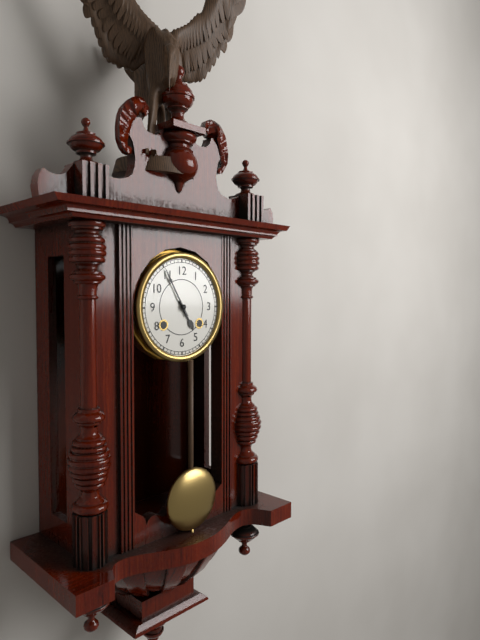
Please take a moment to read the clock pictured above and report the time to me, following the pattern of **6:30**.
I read **4:55**
